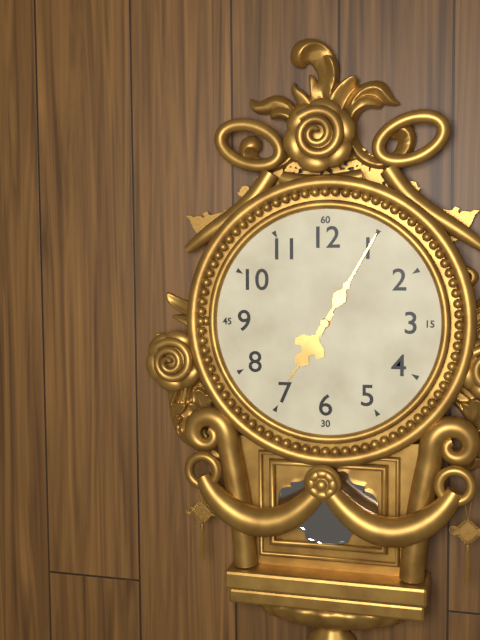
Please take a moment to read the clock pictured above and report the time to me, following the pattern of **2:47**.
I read **7:05**
